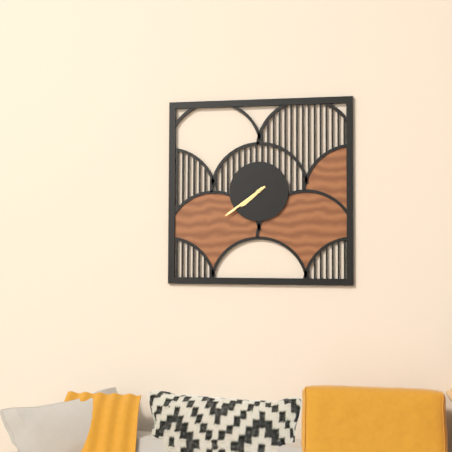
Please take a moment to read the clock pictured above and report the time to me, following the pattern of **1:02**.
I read **7:39**
